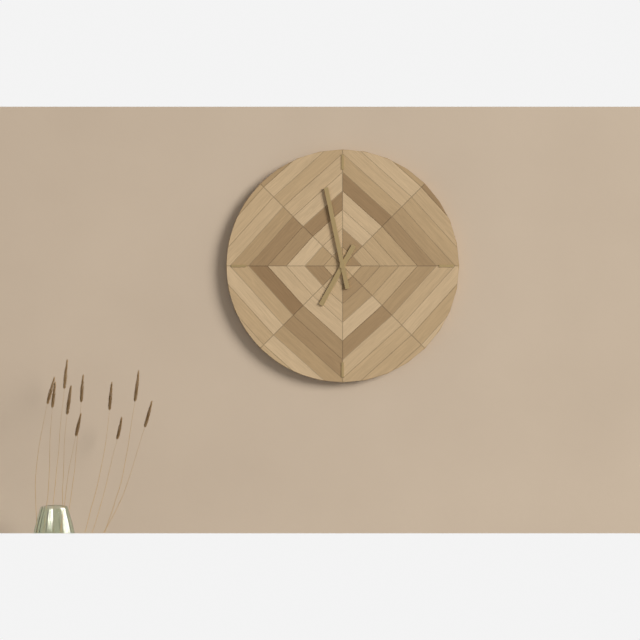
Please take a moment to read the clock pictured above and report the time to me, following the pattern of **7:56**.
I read **6:58**
